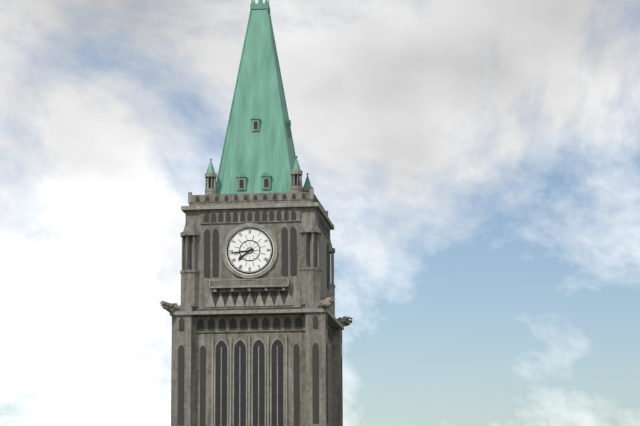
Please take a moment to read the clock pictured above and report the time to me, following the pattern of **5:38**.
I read **7:44**
